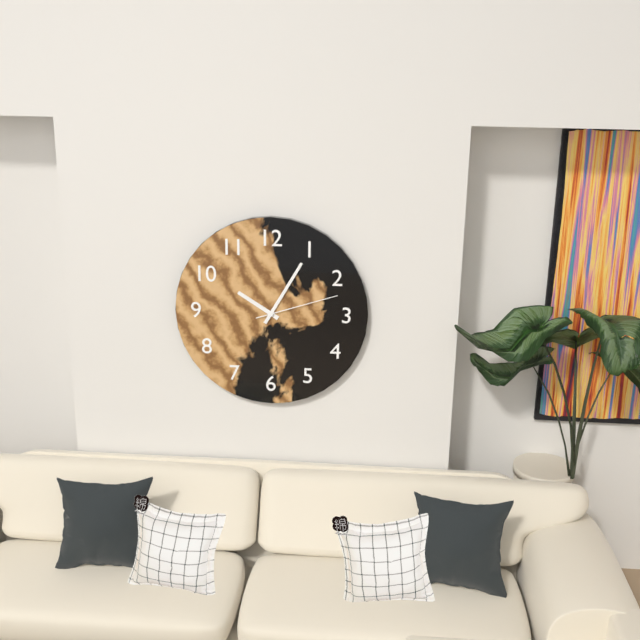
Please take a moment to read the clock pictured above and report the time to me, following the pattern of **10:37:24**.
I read **10:05:12**
